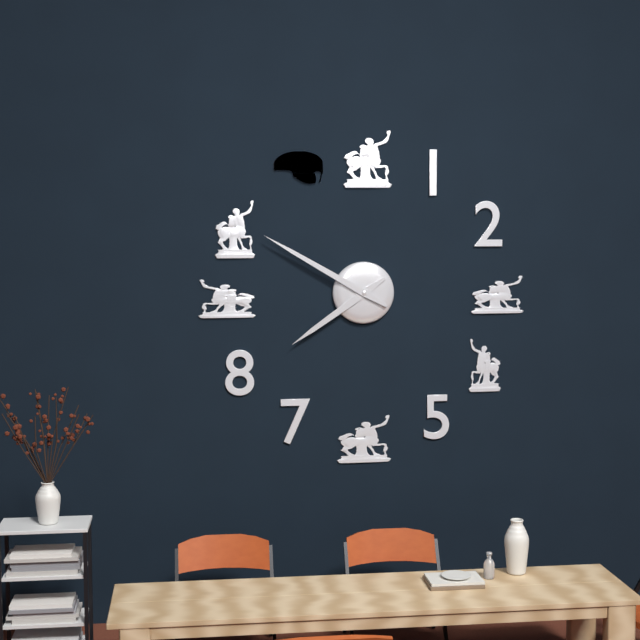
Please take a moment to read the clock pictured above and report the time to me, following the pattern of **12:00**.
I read **7:50**
